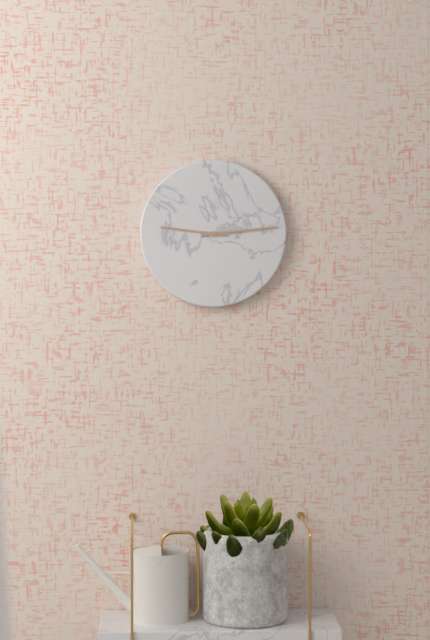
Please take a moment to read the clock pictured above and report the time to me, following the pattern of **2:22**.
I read **9:14**
